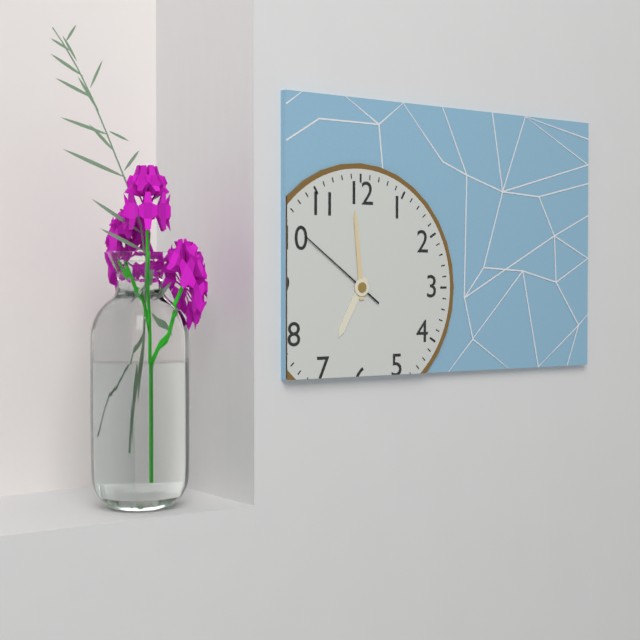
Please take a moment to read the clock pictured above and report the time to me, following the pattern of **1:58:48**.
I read **6:59:51**
